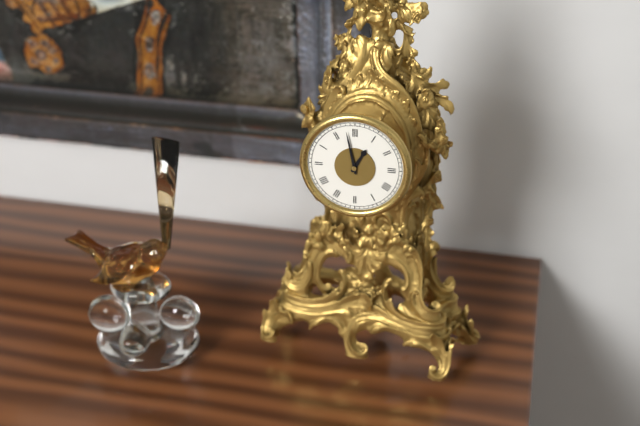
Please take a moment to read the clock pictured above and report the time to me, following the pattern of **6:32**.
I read **12:58**
